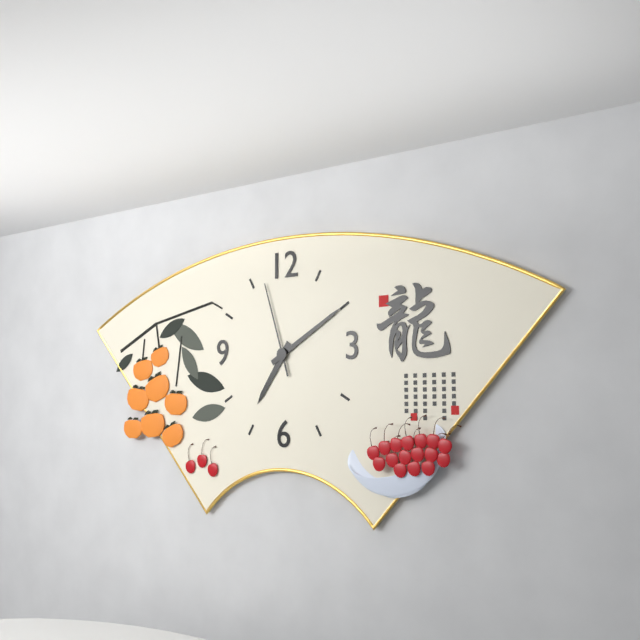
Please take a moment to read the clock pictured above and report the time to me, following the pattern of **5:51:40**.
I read **7:10:57**
